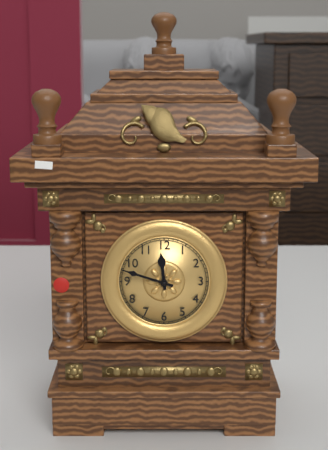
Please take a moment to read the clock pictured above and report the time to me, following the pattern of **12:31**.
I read **11:48**
